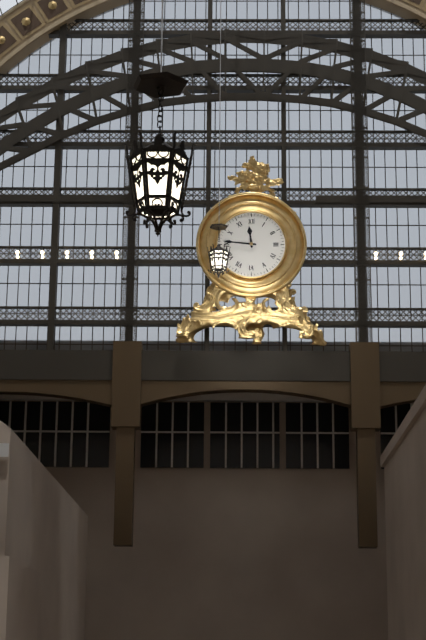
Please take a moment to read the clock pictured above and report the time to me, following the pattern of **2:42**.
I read **11:46**
